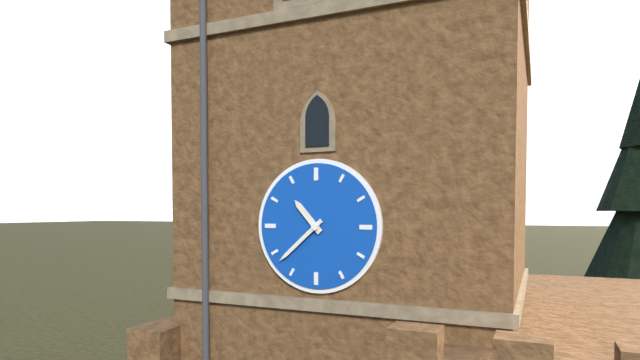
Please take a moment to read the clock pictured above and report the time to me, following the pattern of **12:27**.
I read **10:38**
